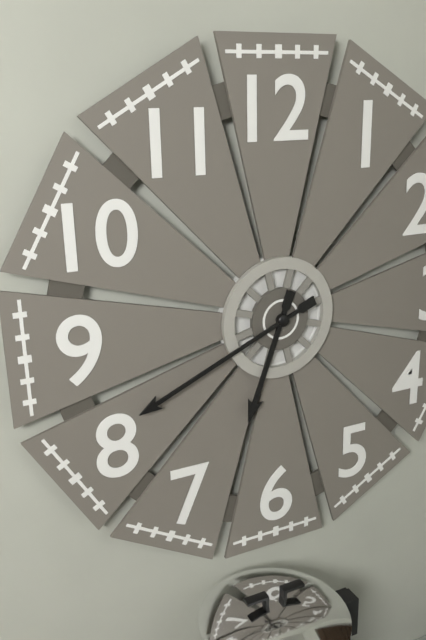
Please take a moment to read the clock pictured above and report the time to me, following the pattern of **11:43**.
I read **6:41**
